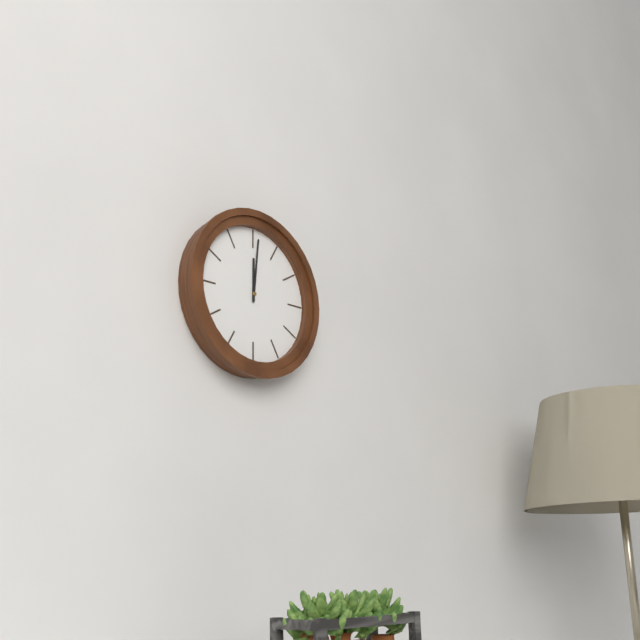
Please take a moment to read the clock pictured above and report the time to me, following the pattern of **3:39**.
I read **12:01**
